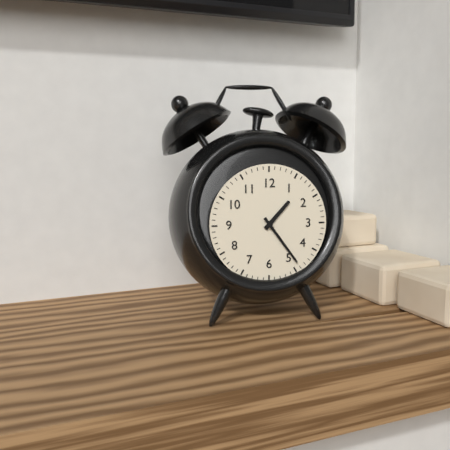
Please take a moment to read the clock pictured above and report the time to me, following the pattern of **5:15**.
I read **1:24**
